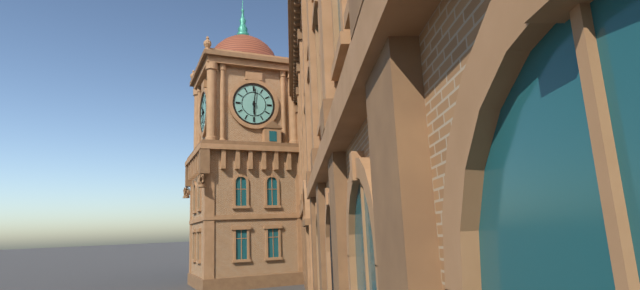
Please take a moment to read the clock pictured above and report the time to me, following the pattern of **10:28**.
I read **6:01**
